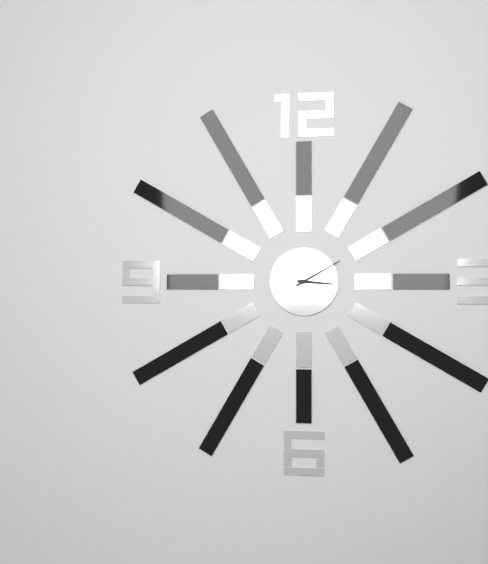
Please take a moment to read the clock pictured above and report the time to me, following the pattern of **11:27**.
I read **3:10**
